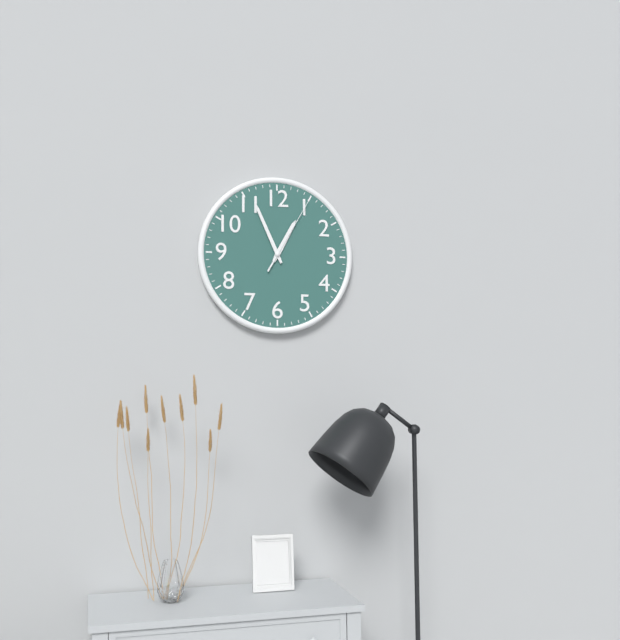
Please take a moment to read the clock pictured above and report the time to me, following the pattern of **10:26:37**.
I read **12:56:05**
